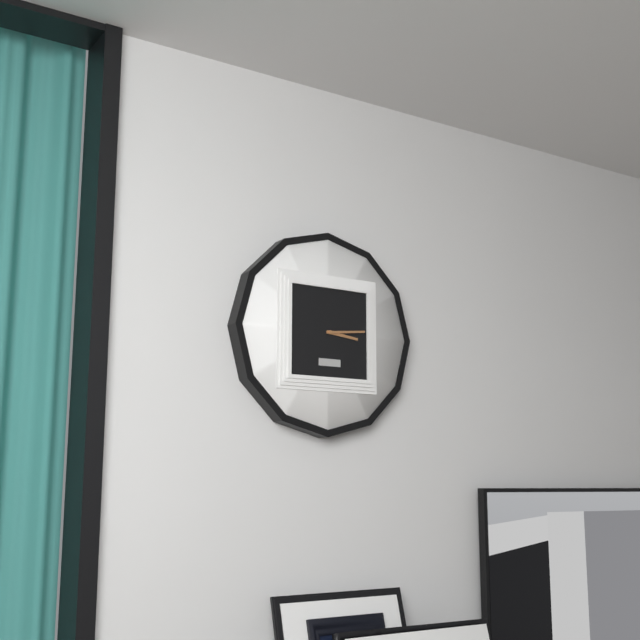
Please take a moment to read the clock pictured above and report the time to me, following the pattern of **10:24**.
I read **3:14**
